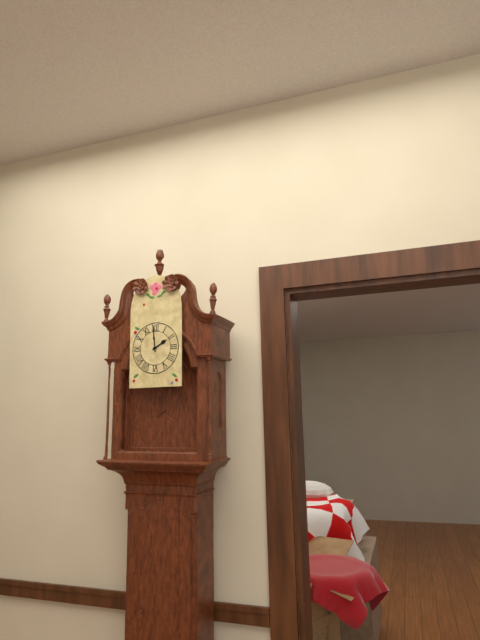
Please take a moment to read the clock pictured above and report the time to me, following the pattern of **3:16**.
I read **1:59**
